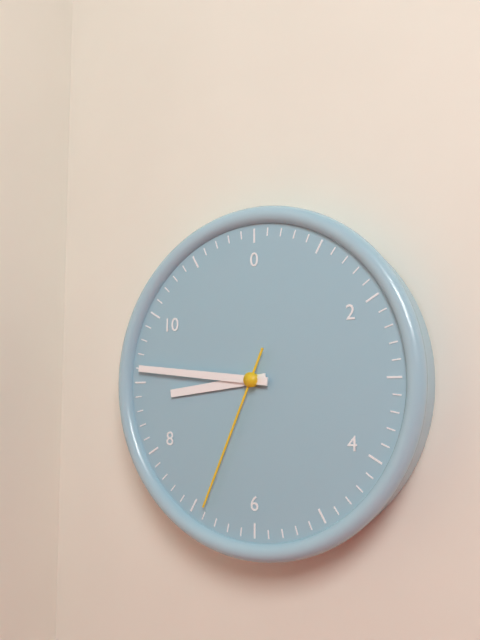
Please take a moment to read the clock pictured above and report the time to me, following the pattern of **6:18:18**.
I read **8:46:34**
